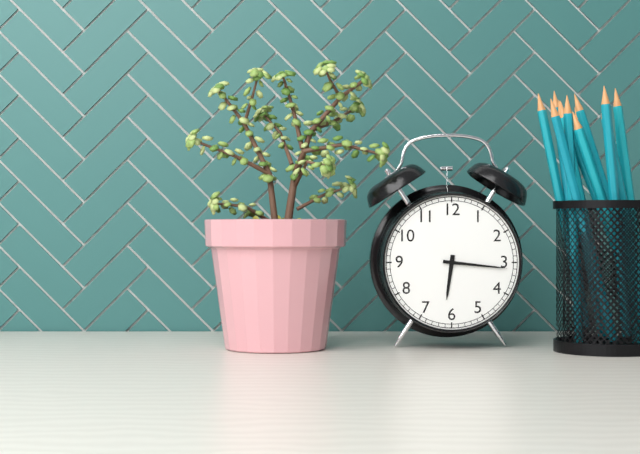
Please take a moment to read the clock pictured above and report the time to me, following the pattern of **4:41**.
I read **6:16**
